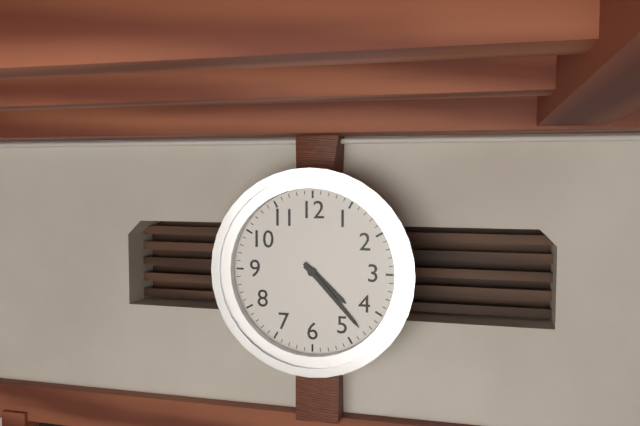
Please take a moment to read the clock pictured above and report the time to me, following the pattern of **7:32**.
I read **4:23**
